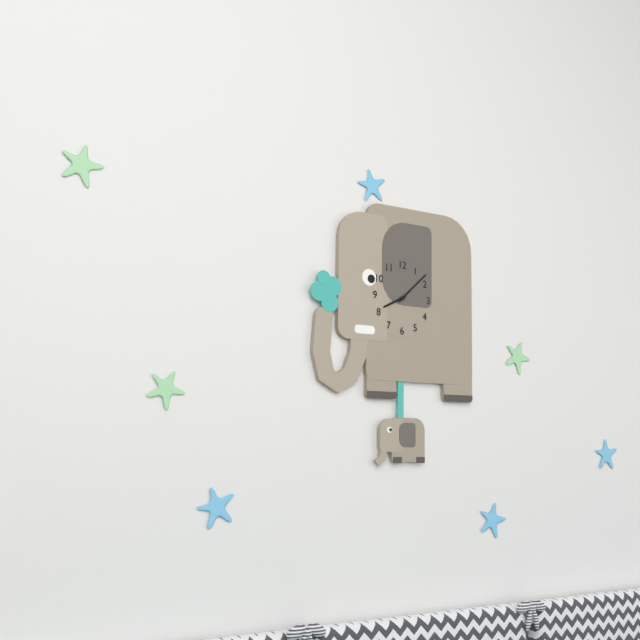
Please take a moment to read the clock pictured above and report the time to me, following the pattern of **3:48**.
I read **8:08**
